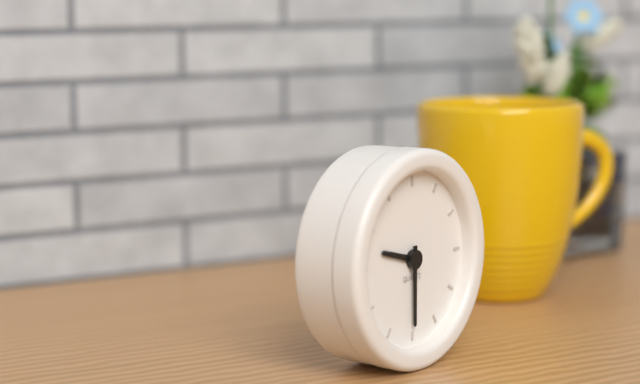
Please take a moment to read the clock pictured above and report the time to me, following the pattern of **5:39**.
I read **9:30**
